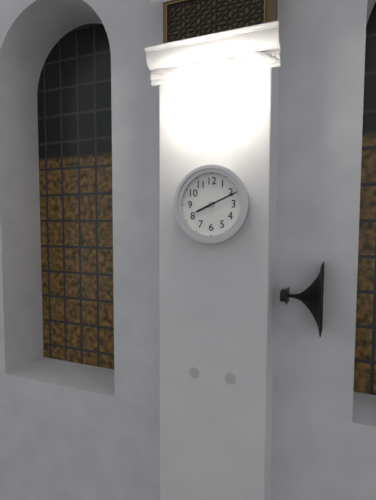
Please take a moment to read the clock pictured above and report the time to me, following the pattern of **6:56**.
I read **8:11**
